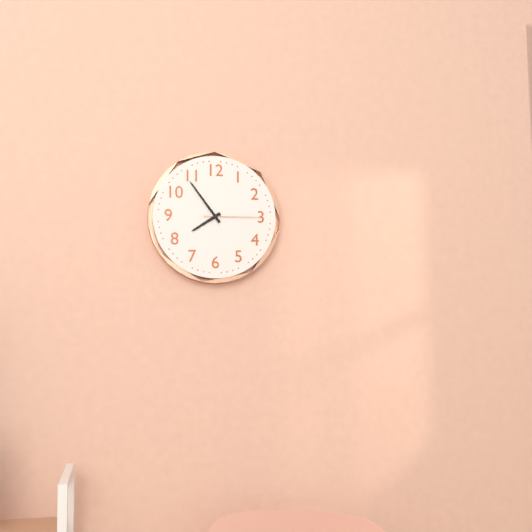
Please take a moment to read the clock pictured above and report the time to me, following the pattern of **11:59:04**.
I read **7:54:15**
